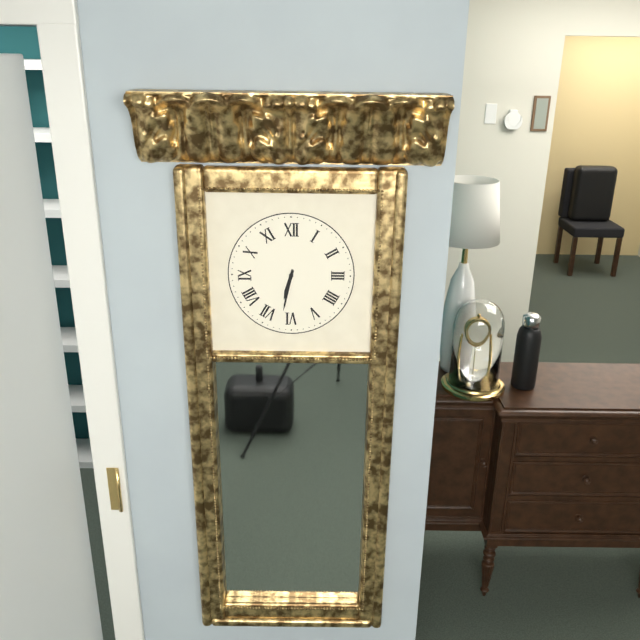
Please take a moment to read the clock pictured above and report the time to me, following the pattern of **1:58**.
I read **6:32**
